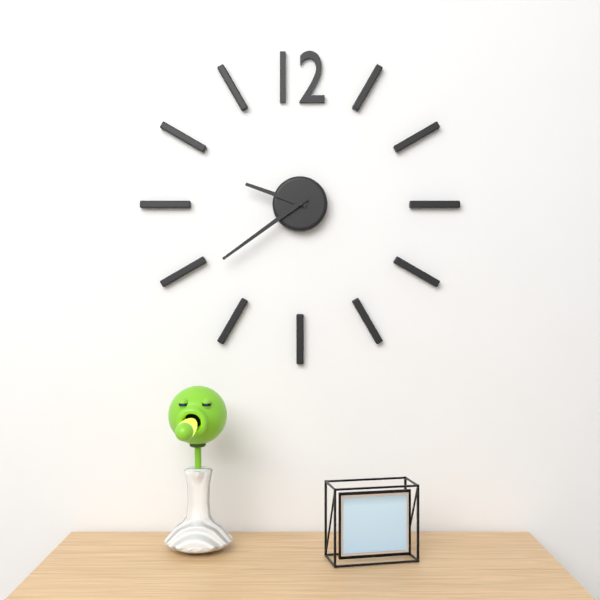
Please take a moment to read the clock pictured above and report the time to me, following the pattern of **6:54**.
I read **9:39**
